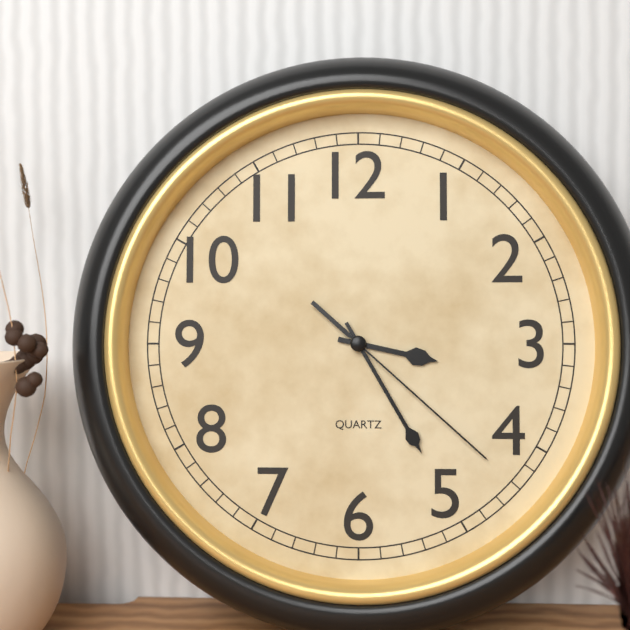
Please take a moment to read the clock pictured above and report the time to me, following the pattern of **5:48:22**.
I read **3:25:22**
